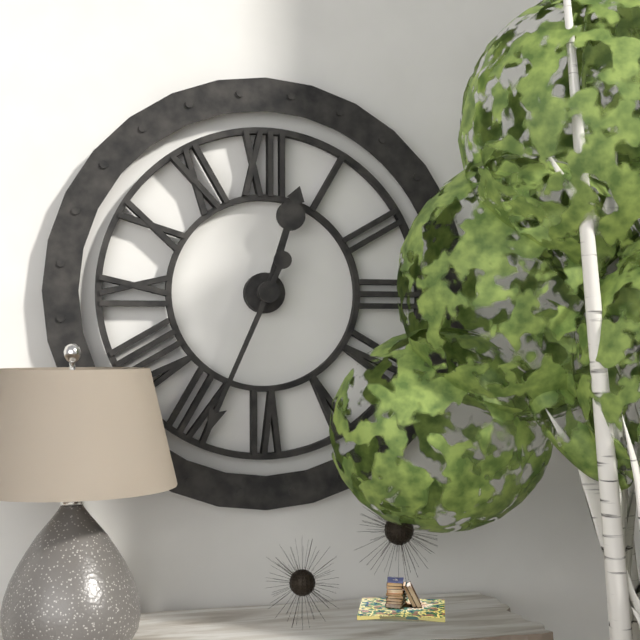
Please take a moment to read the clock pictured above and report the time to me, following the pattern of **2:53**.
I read **12:34**
